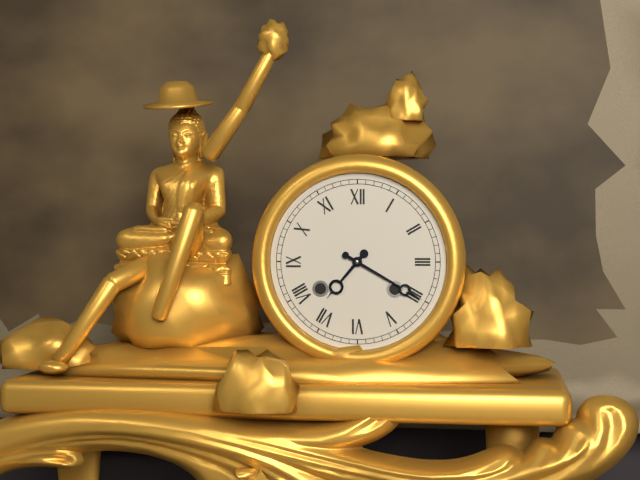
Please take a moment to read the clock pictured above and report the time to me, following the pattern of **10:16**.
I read **7:20**
